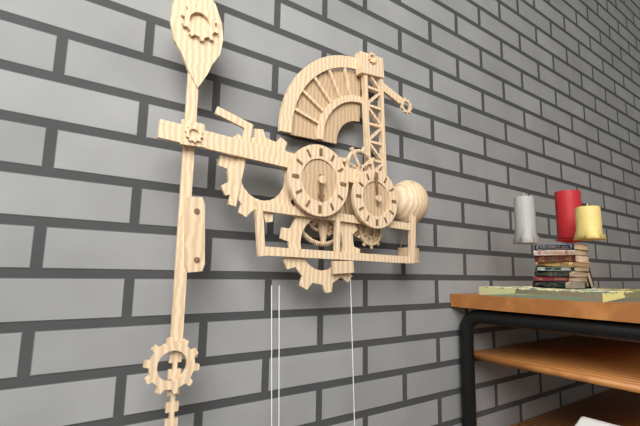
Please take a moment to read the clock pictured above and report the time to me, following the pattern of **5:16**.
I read **5:59**
